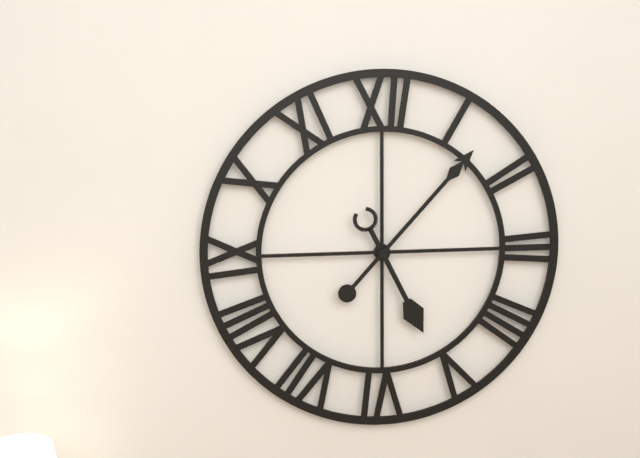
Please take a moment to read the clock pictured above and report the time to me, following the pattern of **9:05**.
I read **5:07**
